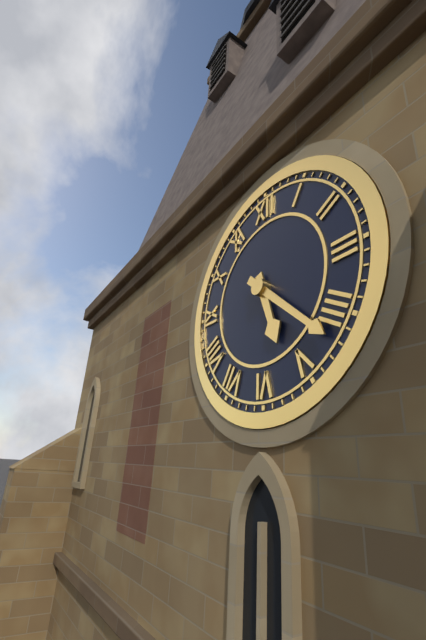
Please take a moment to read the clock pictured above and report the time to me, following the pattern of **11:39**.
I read **5:22**
